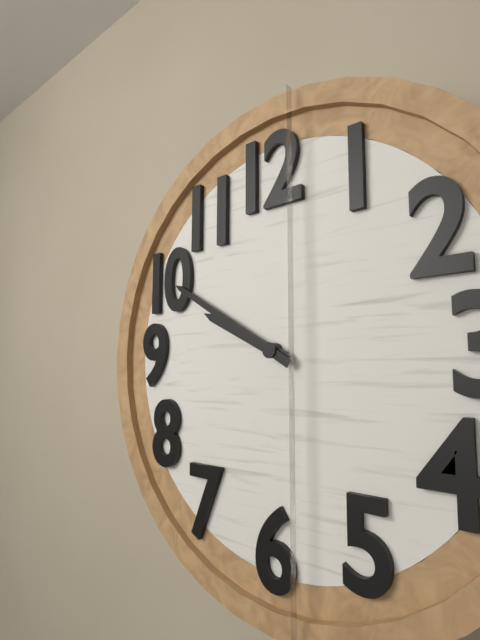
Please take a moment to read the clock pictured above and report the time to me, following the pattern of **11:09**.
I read **9:50**
